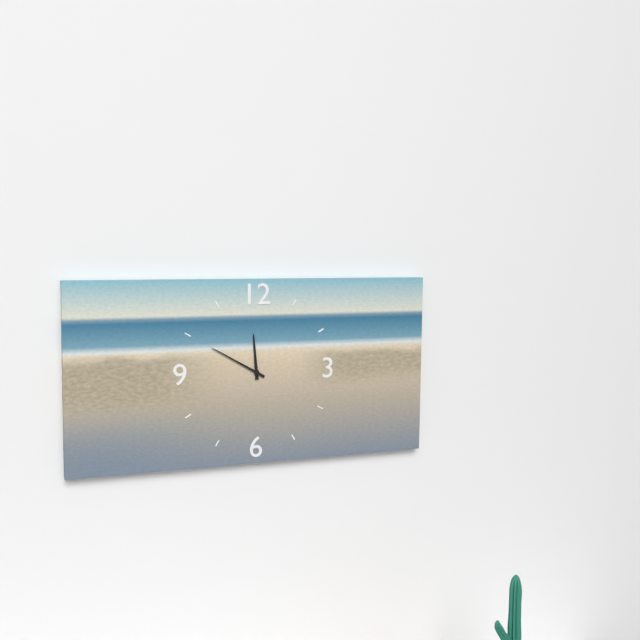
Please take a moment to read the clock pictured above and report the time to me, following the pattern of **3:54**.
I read **11:50**
